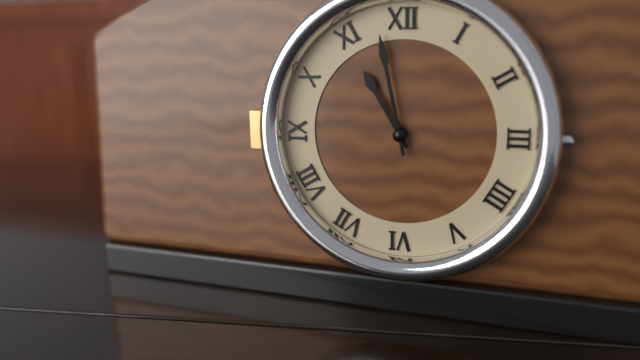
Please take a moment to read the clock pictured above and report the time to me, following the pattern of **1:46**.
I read **10:58**
